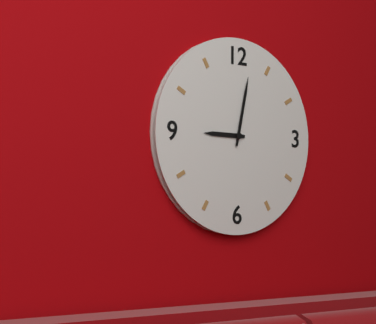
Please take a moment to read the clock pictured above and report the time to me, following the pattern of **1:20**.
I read **9:02**
